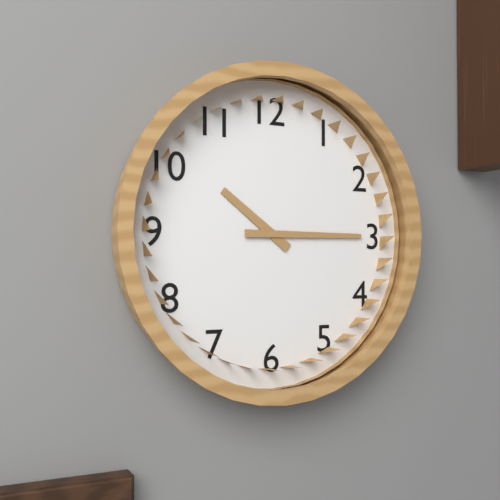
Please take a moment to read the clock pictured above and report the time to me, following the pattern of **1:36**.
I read **10:15**
